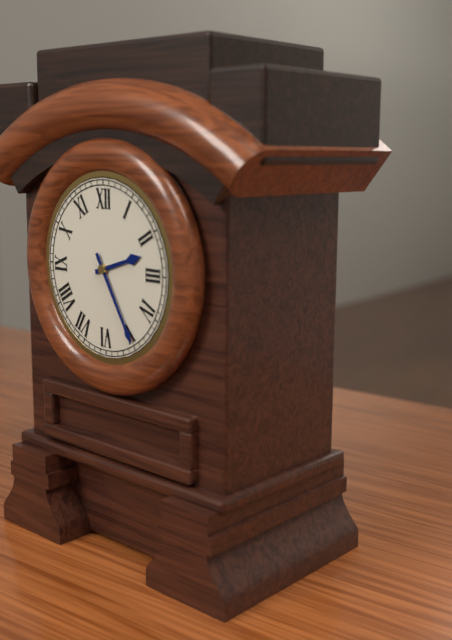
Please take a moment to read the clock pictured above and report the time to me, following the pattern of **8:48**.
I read **2:25**
